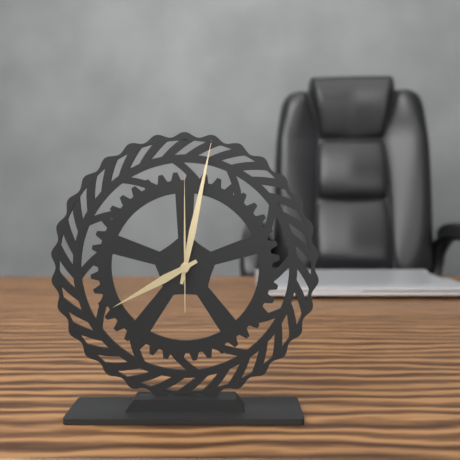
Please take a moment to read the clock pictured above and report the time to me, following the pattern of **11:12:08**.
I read **8:02:00**
